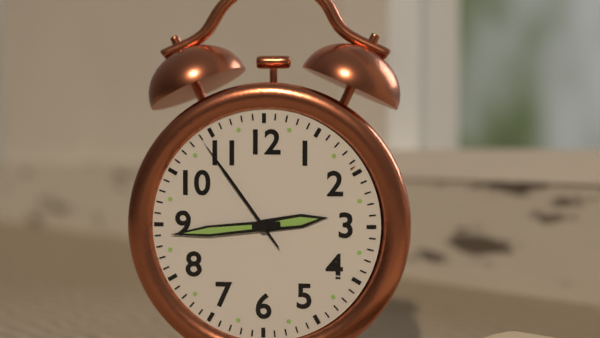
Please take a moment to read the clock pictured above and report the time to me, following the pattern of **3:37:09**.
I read **2:44:54**
